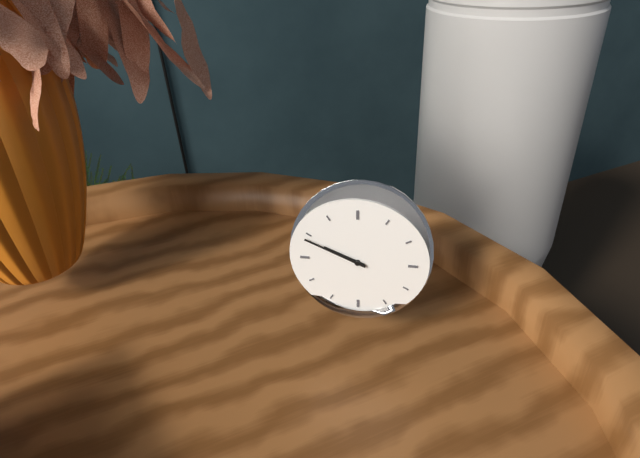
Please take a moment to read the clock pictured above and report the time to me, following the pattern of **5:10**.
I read **9:49**
